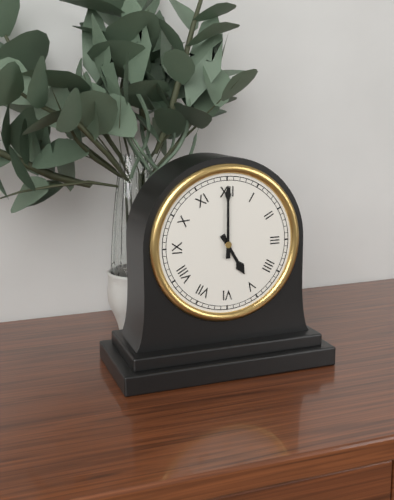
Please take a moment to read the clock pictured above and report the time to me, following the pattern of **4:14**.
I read **5:00**
